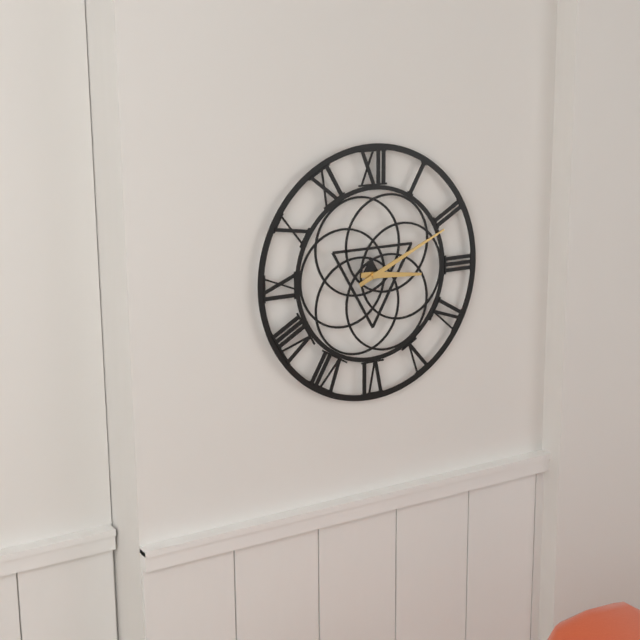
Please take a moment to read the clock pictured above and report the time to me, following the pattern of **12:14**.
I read **3:11**
